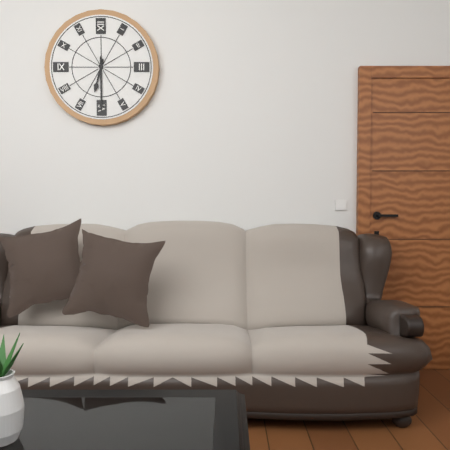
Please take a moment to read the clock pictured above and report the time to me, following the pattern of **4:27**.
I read **6:30**
